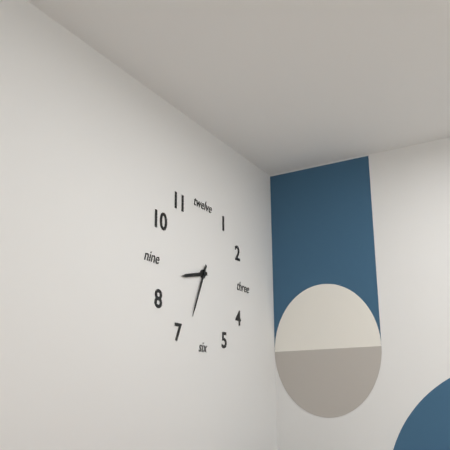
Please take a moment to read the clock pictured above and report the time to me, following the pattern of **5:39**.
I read **8:34**
